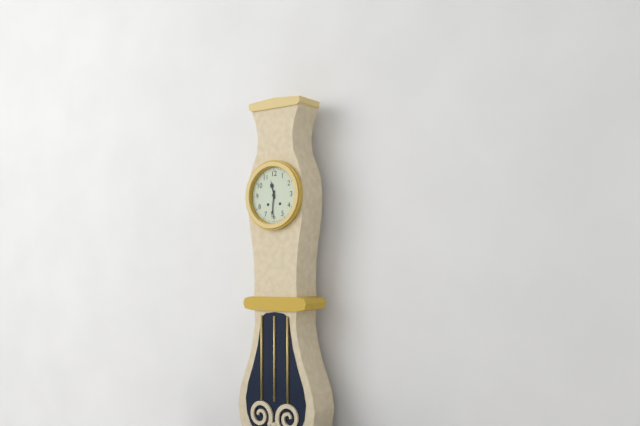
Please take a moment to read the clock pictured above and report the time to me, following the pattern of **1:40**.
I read **11:31**
